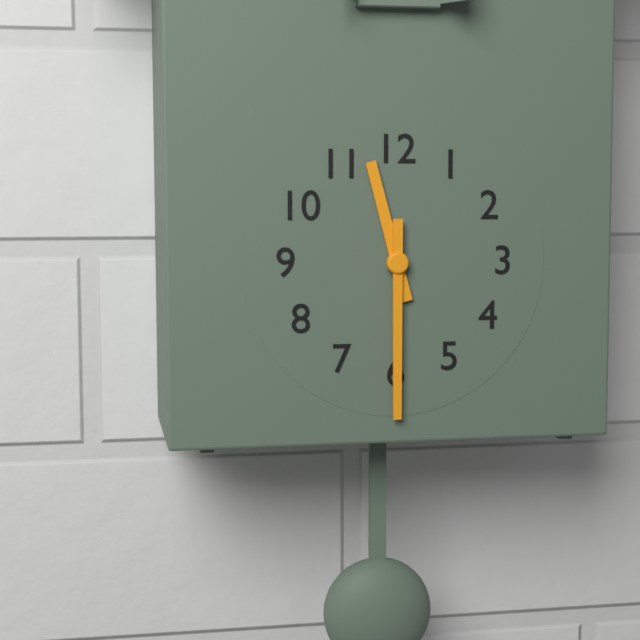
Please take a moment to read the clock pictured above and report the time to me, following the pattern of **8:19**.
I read **11:30**
